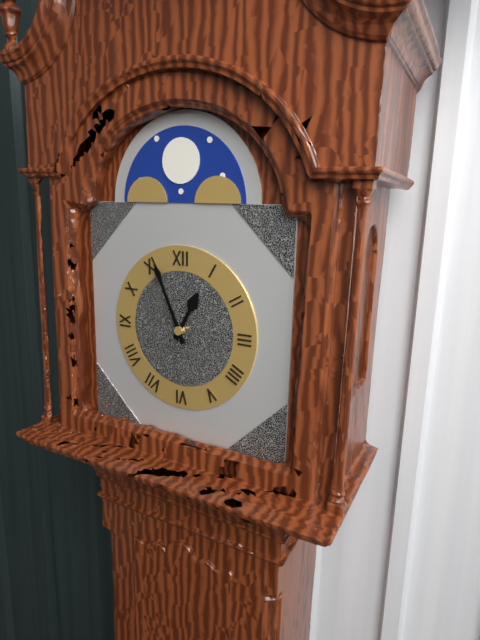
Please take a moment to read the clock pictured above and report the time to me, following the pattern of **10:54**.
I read **12:56**
